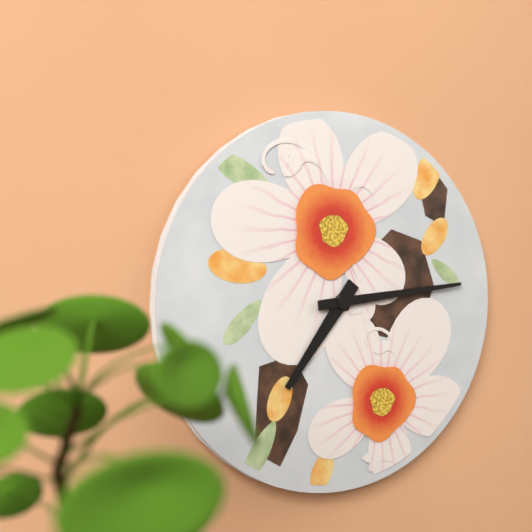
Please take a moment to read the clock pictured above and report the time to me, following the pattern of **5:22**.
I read **7:14**
